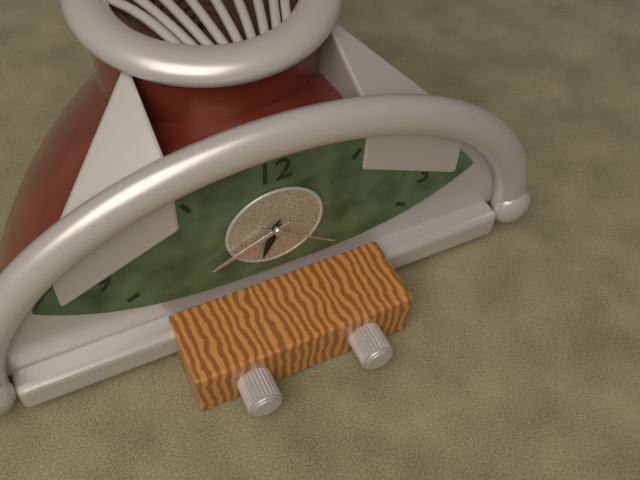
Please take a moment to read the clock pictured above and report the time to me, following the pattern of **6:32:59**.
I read **6:41:21**
